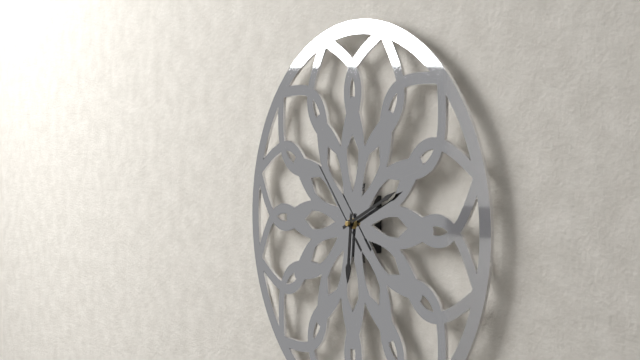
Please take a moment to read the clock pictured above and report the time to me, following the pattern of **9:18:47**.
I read **6:11:53**
